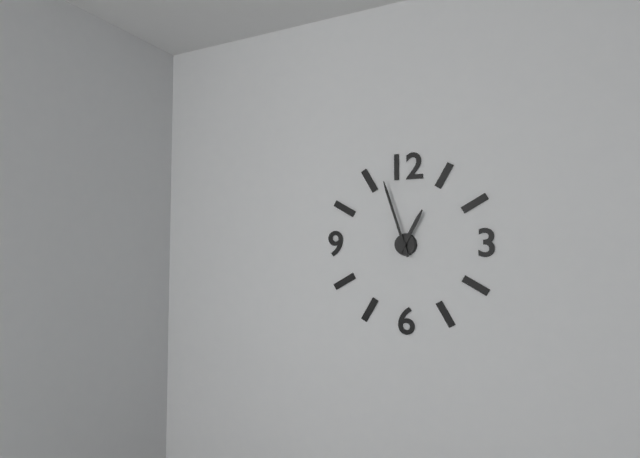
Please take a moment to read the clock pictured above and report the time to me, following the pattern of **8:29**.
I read **12:57**
